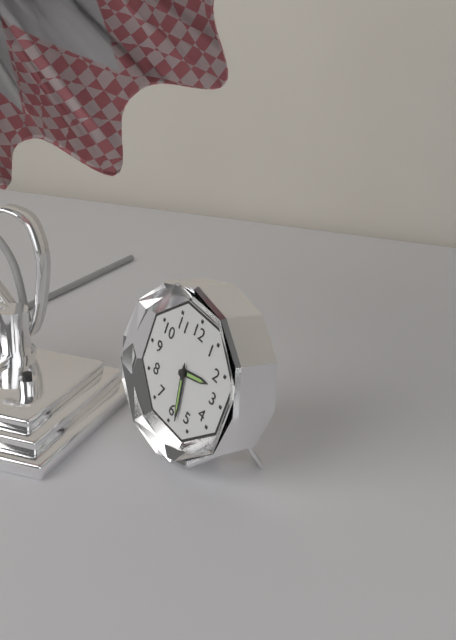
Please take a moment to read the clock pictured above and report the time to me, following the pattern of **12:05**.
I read **2:28**
